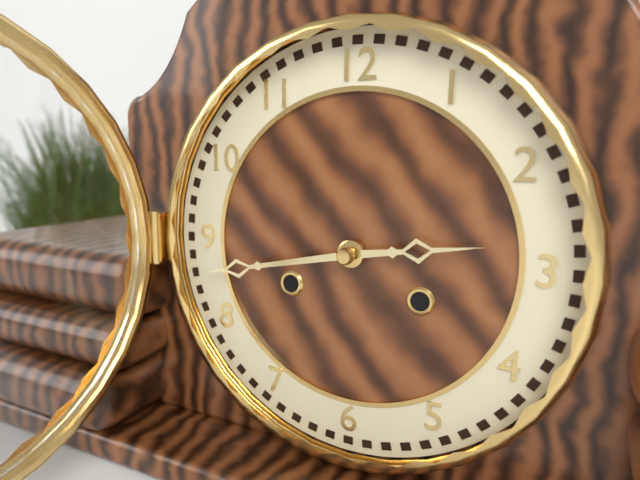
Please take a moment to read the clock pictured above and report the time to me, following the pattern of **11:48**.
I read **2:43**
